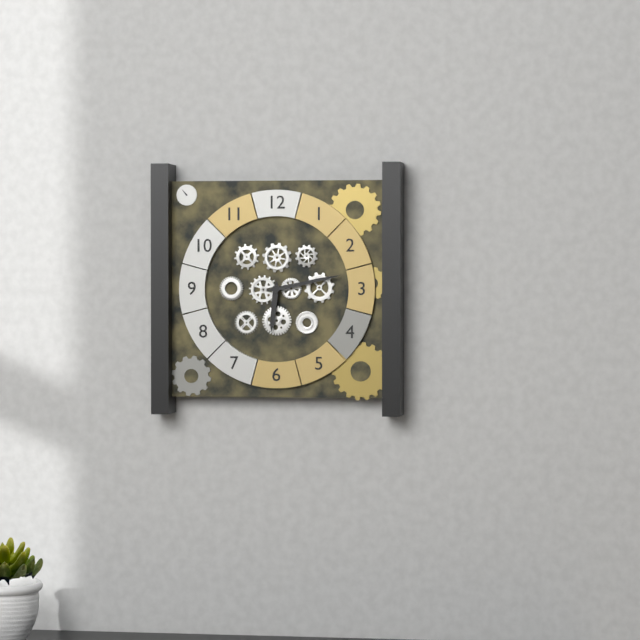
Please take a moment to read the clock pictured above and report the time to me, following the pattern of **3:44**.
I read **6:13**
